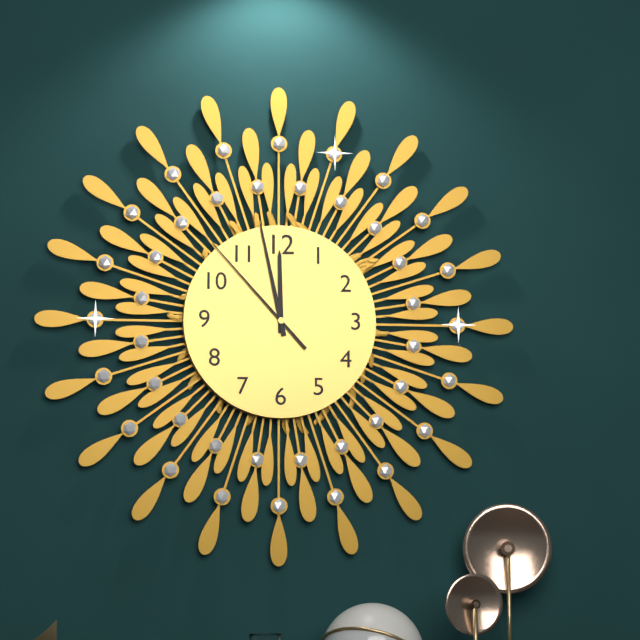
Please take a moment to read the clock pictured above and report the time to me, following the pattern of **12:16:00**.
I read **11:58:53**
